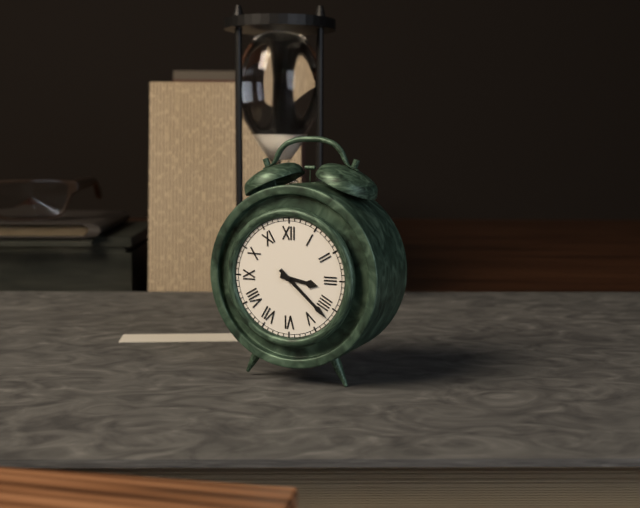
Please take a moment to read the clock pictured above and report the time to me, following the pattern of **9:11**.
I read **3:22**
